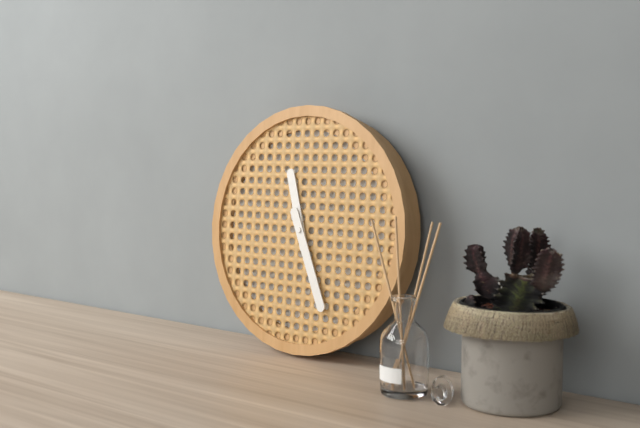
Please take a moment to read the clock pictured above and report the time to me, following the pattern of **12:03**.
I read **11:26**
